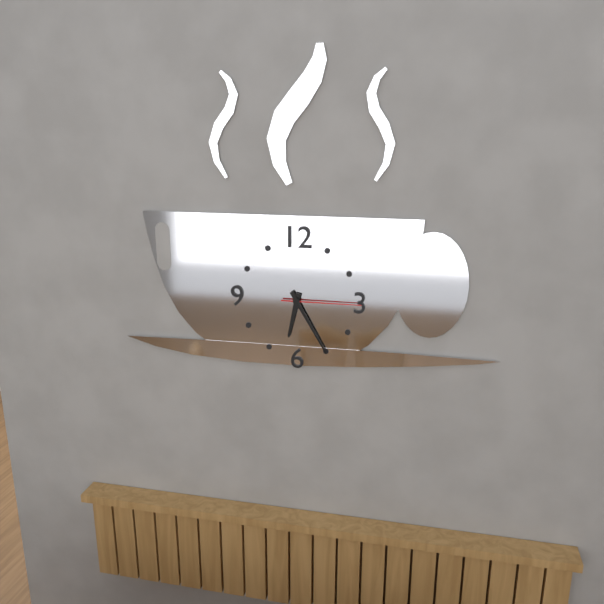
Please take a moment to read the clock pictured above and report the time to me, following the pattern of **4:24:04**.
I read **6:25:15**
